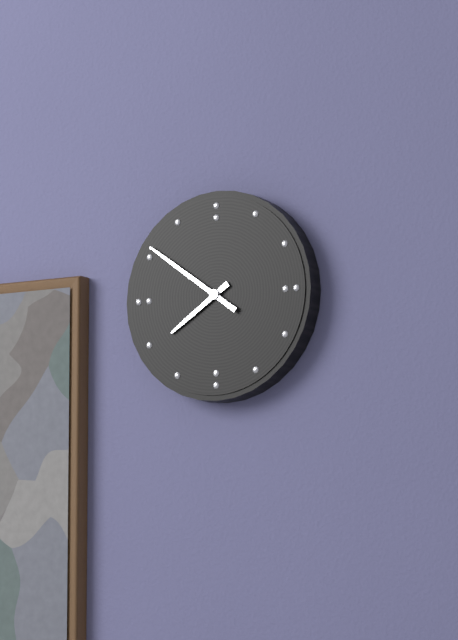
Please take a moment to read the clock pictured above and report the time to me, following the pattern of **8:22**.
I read **7:51**
